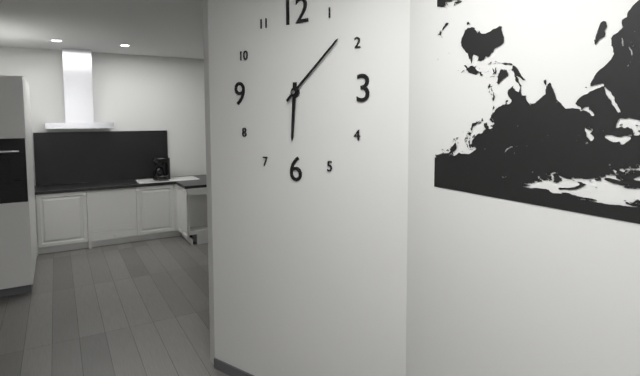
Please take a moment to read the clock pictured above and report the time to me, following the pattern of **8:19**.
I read **6:08**
